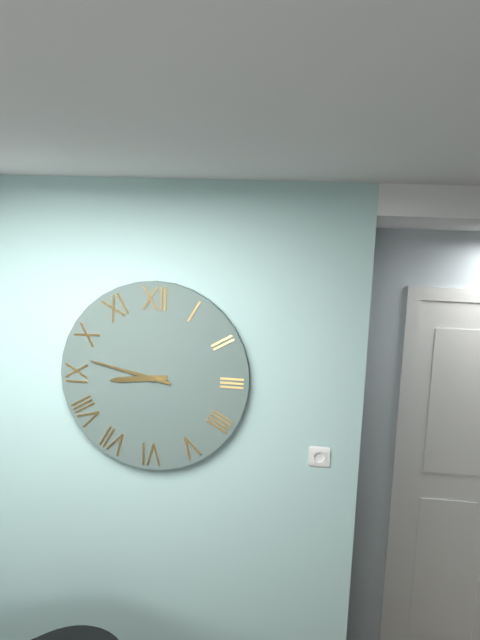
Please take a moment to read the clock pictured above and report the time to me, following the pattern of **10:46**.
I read **8:47**
